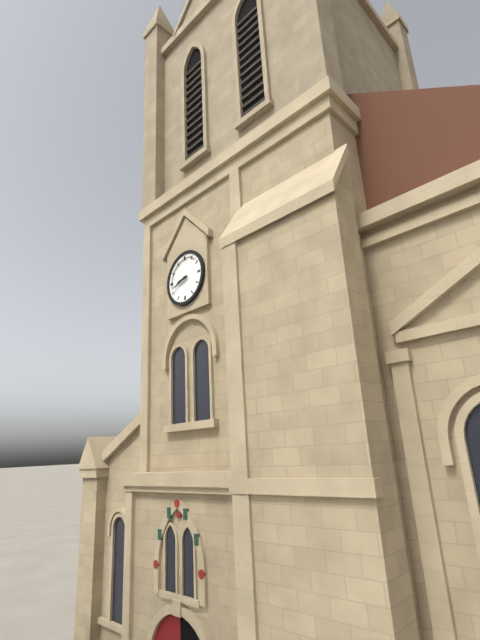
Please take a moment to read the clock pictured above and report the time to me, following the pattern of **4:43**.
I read **8:42**
